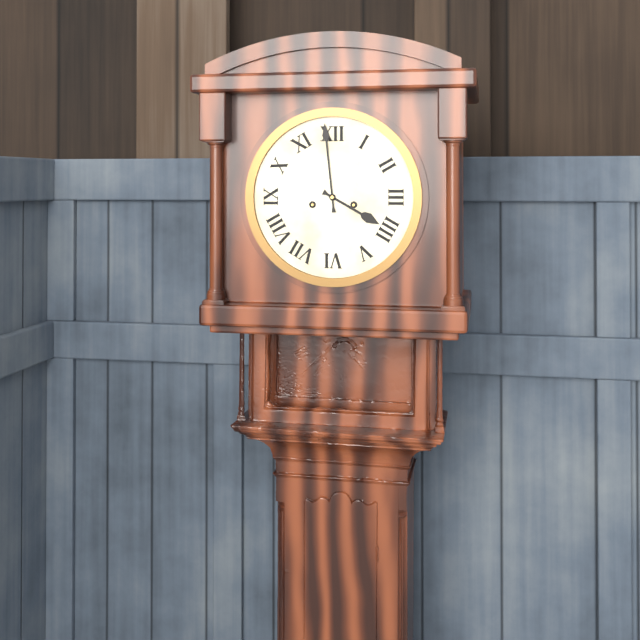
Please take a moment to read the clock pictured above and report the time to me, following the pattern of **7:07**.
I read **3:59**
